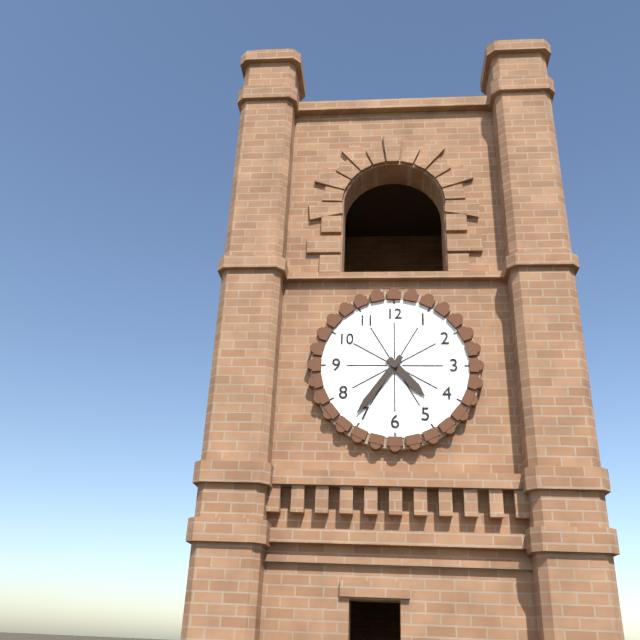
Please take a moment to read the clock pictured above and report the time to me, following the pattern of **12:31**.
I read **4:36**
